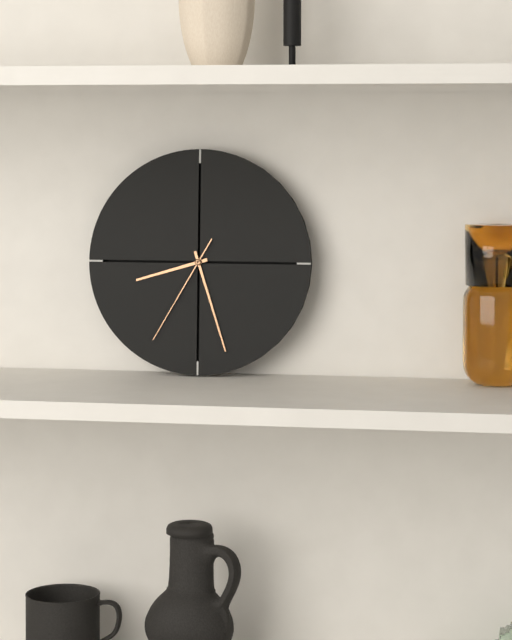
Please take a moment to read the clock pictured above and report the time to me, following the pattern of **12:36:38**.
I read **8:27:35**
